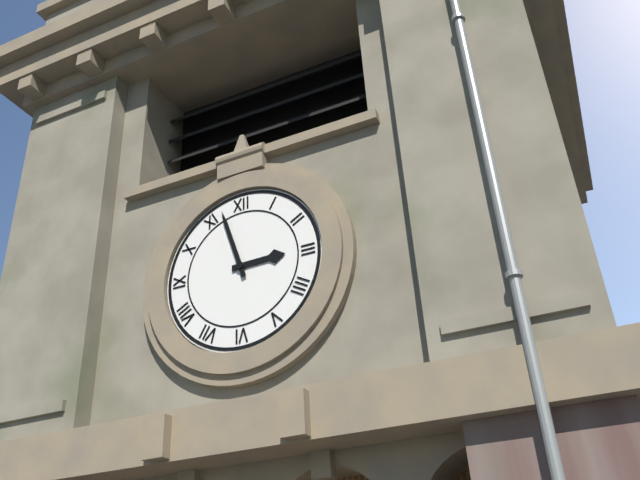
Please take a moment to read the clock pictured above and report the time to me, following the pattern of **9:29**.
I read **2:57**
